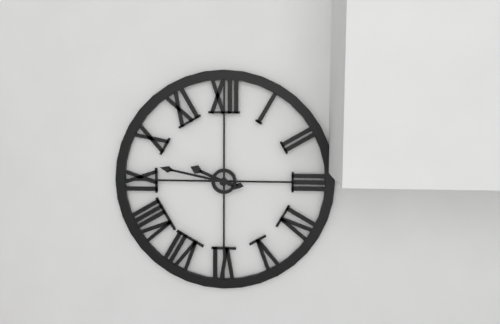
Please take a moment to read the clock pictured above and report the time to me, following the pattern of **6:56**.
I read **9:47**
